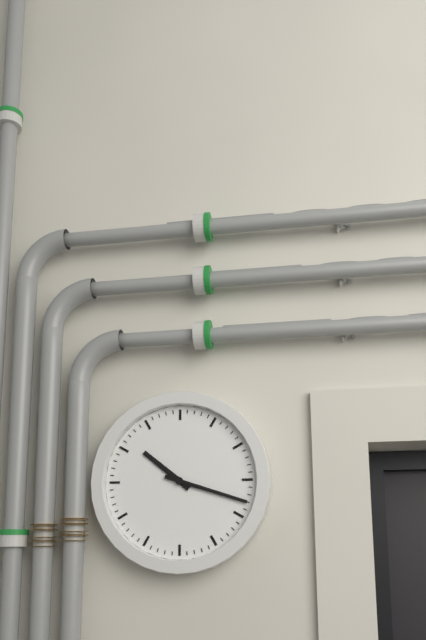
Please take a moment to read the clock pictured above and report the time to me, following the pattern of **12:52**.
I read **10:18**
